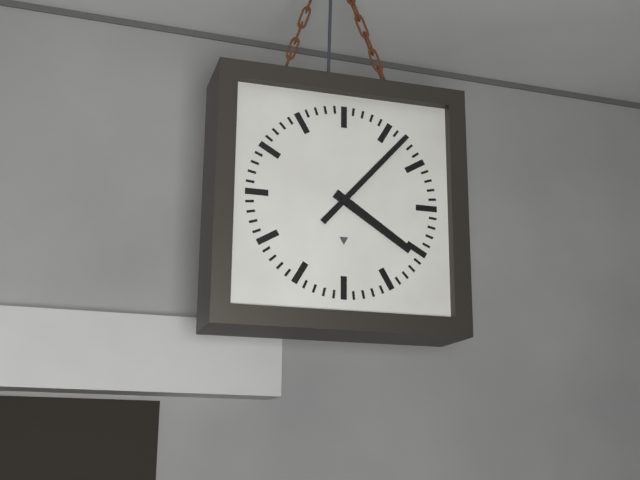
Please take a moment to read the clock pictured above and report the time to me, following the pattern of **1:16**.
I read **4:07**
